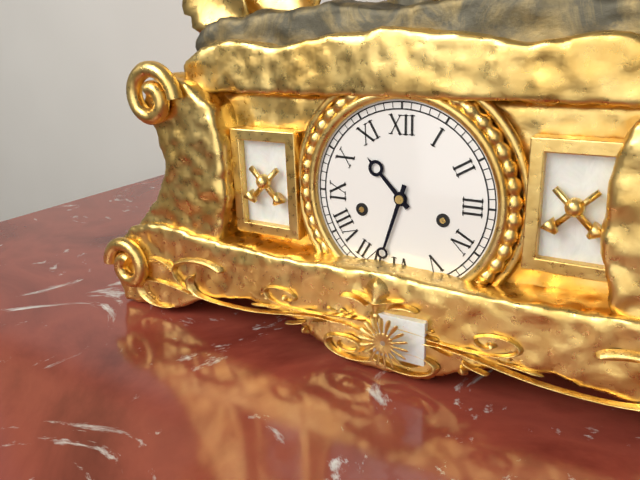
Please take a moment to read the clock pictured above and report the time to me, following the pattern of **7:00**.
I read **10:33**
